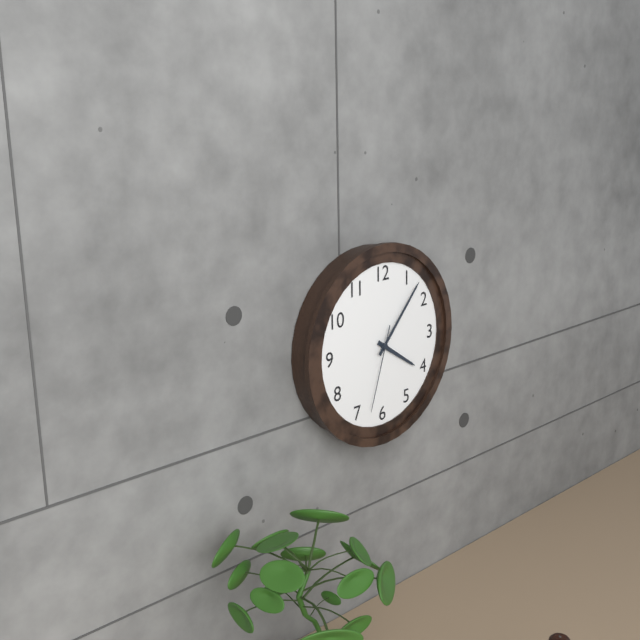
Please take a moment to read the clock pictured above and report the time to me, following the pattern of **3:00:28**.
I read **4:07:33**
